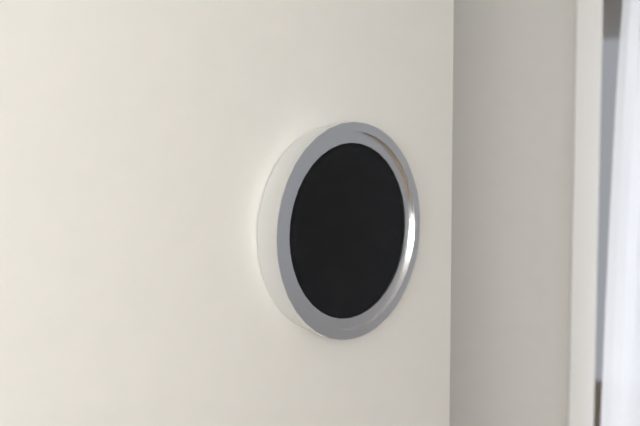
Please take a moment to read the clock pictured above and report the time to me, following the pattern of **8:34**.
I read **9:00**
